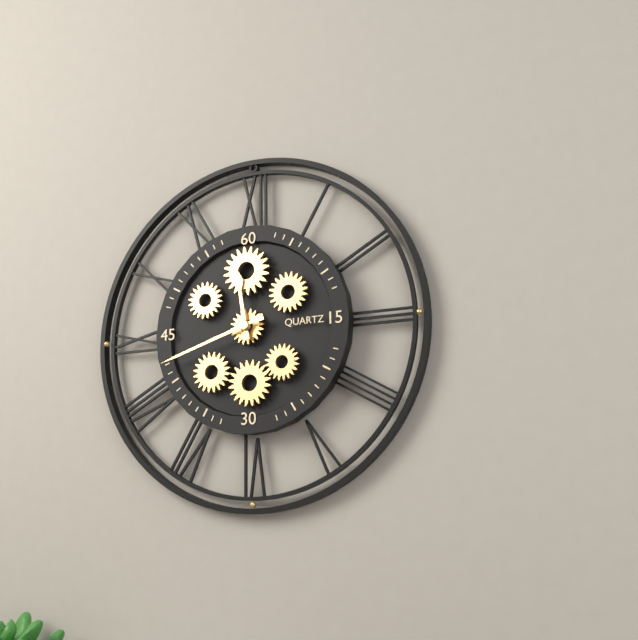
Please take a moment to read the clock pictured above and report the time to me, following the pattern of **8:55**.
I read **11:42**
